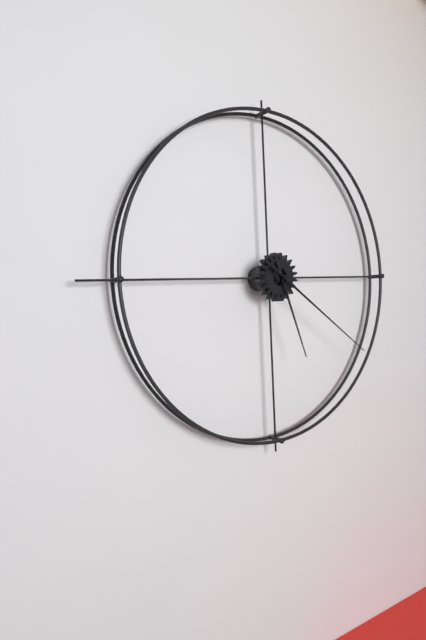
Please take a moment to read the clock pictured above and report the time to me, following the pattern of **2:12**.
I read **5:21**
